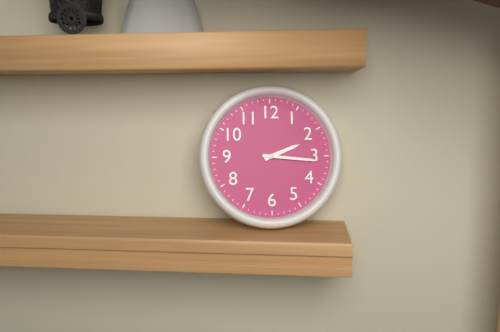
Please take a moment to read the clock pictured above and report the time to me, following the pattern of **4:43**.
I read **2:16**
